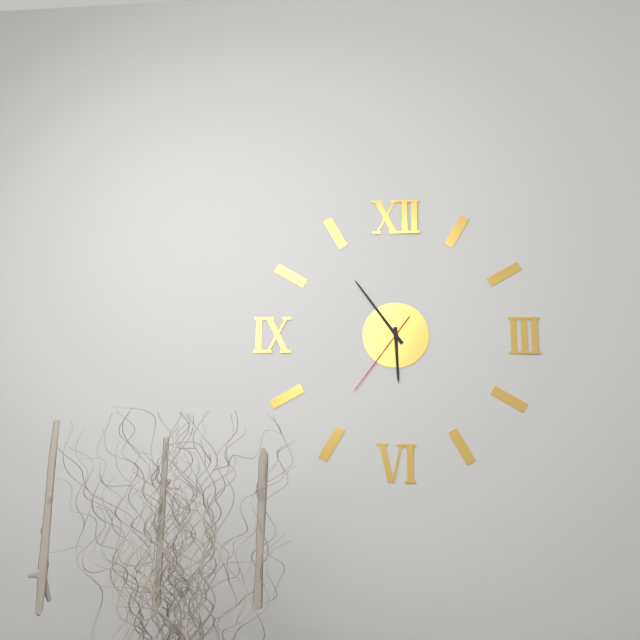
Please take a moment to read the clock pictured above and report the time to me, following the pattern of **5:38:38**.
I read **5:54:36**
